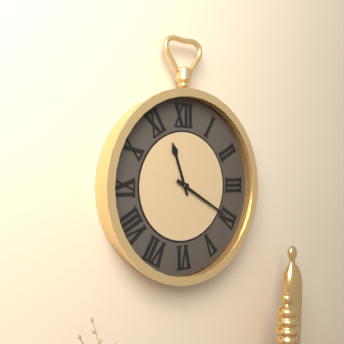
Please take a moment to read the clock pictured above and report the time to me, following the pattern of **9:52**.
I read **11:20**
